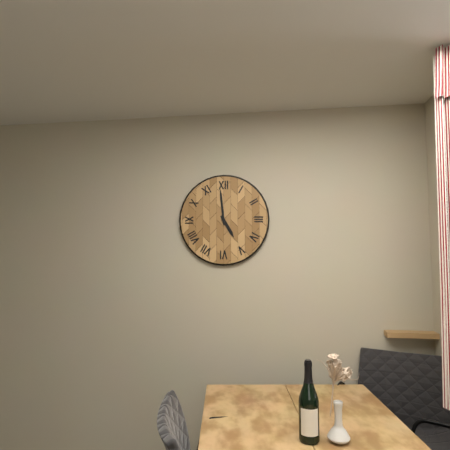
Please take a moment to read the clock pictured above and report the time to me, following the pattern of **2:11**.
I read **4:59**
